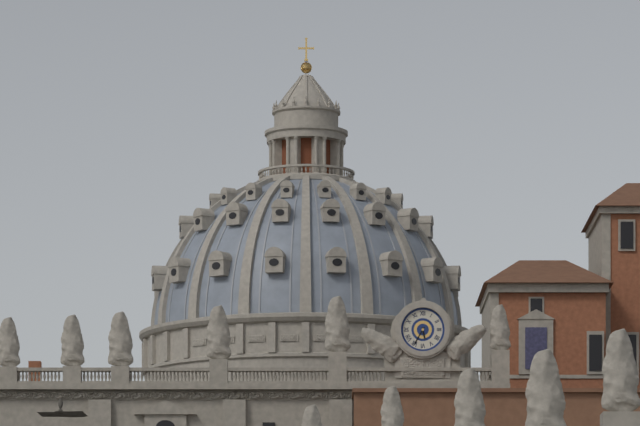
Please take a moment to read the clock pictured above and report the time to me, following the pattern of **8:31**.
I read **5:35**
